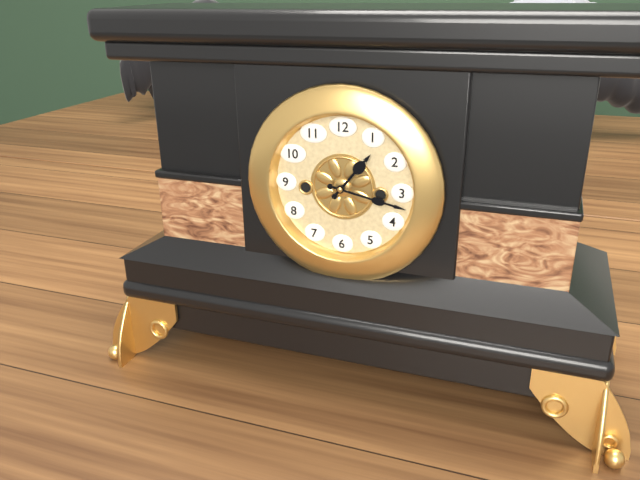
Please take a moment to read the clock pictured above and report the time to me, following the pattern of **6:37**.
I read **1:17**
